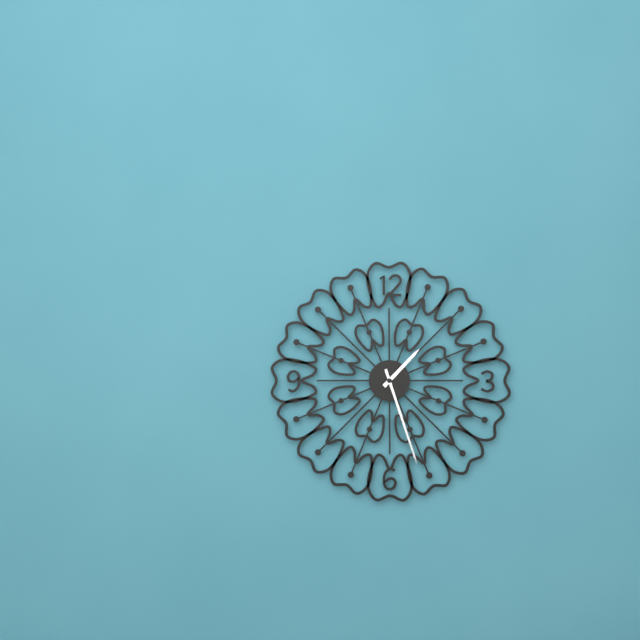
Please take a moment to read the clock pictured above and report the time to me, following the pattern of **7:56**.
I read **1:27**
